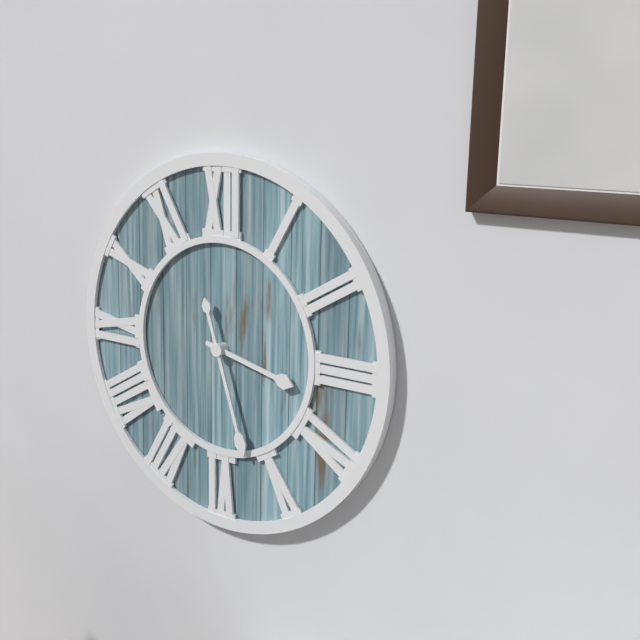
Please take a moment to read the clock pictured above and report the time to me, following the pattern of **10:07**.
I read **3:27**
